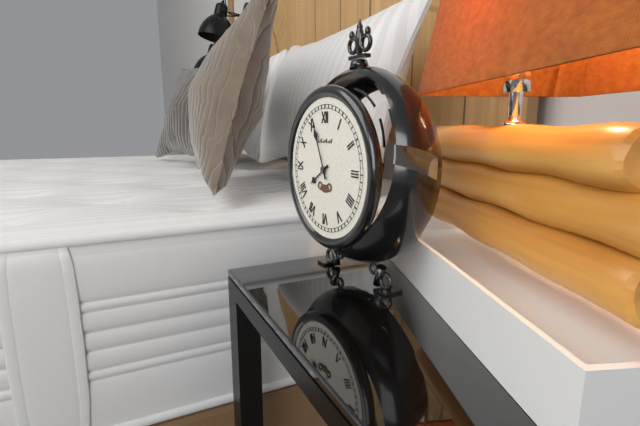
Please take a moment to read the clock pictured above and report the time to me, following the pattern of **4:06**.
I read **7:56**
